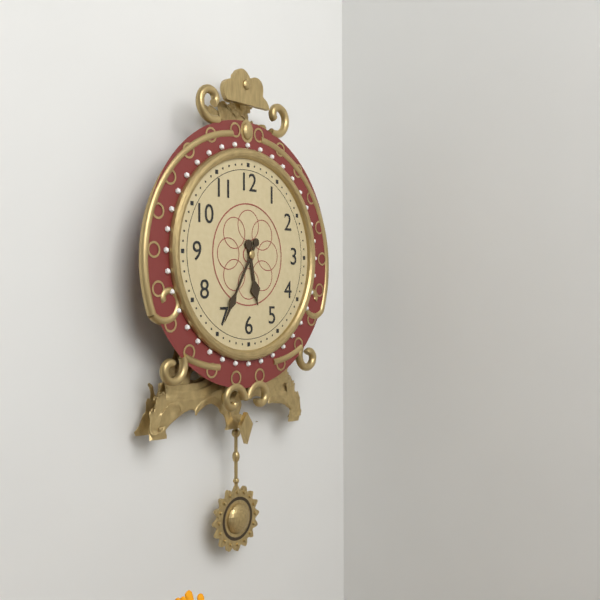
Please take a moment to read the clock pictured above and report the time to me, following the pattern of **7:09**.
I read **5:35**
